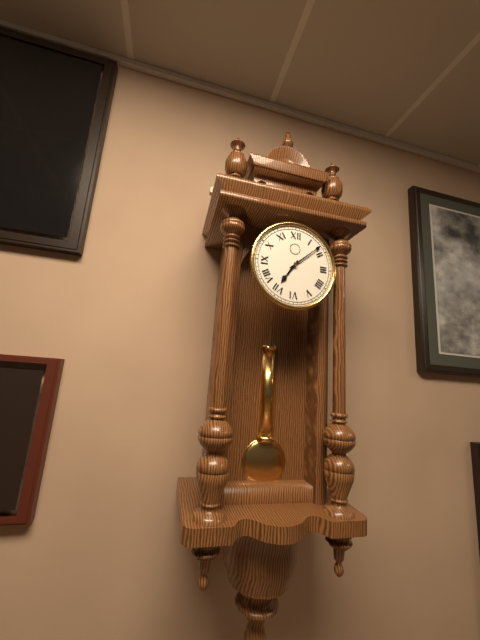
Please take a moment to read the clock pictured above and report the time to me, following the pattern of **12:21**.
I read **7:08**
